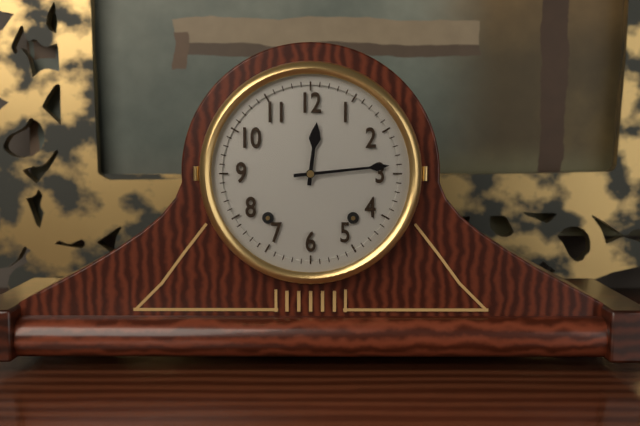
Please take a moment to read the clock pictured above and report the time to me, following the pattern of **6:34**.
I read **12:14**
